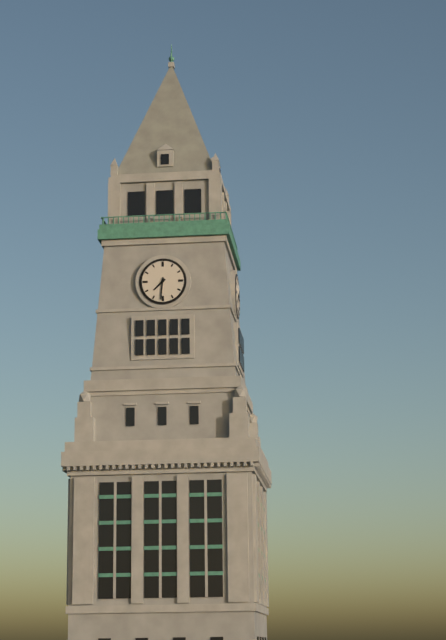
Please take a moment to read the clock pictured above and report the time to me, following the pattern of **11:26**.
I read **7:31**
